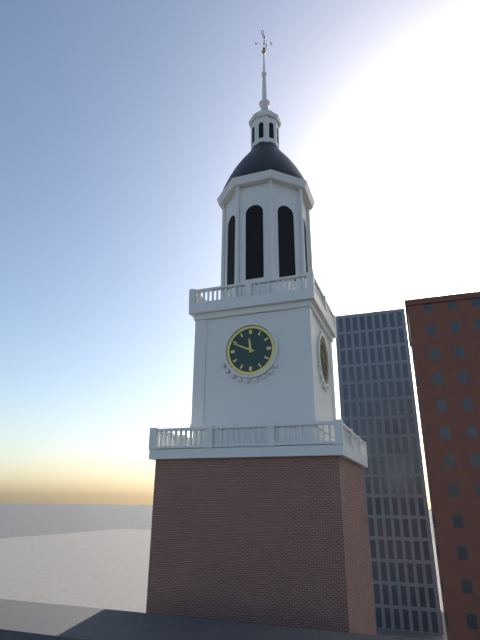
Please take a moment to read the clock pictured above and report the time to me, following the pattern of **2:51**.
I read **11:49**
